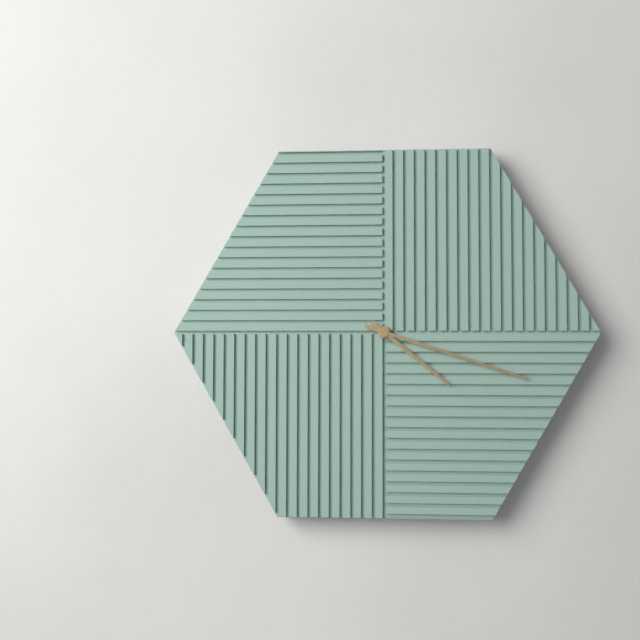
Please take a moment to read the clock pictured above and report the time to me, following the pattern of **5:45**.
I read **4:18**
